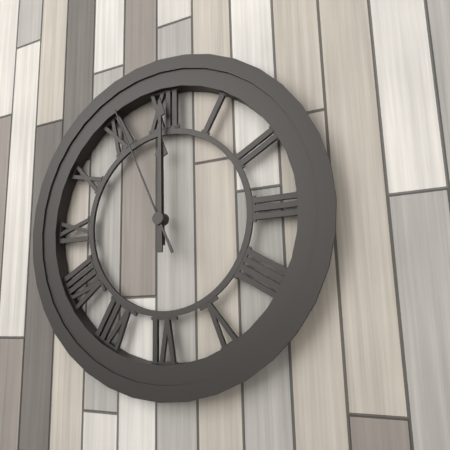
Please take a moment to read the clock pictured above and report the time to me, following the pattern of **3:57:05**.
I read **12:00:56**
